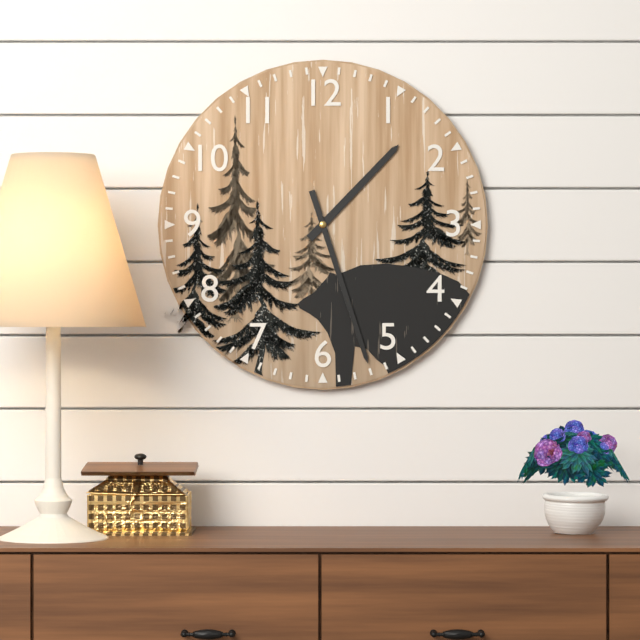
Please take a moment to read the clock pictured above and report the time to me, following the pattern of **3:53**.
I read **1:27**
